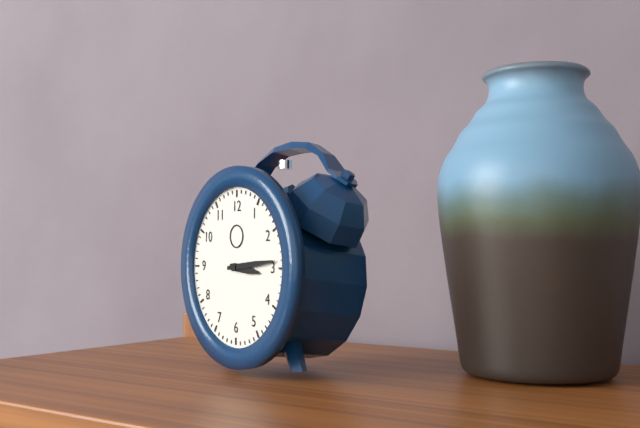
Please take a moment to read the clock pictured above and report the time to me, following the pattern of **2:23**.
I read **3:14**
